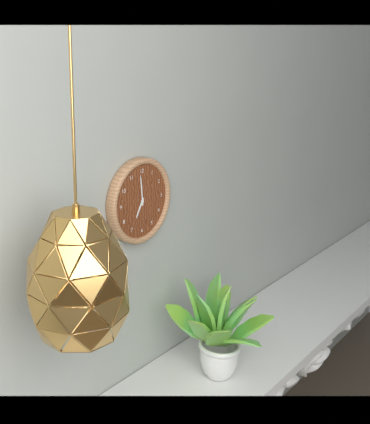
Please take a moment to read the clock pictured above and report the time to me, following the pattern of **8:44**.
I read **6:59**
